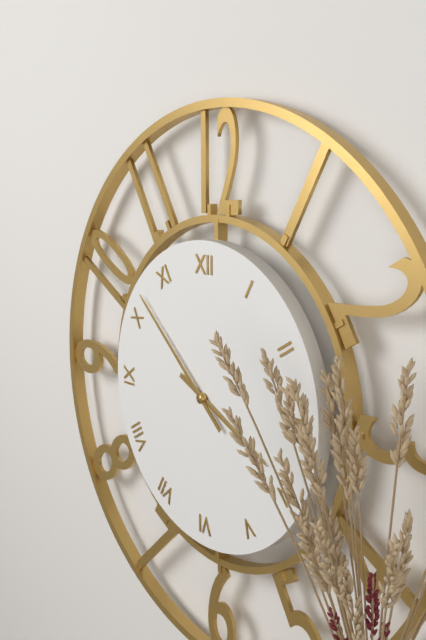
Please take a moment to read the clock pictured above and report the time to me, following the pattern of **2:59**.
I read **3:52**
